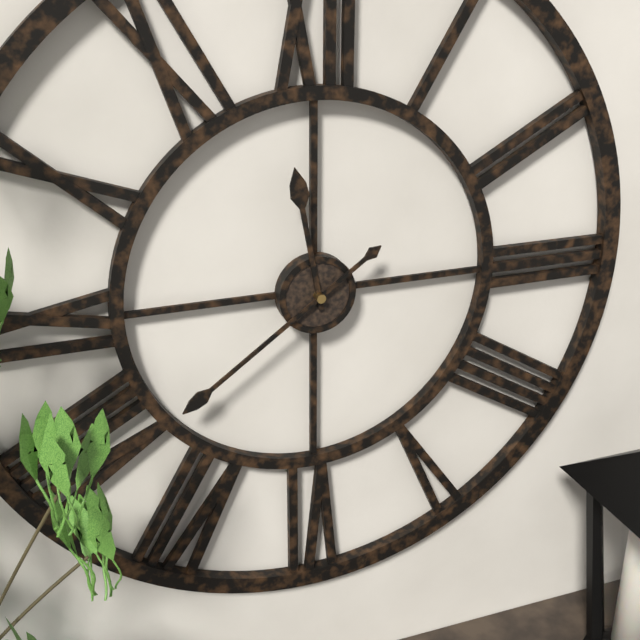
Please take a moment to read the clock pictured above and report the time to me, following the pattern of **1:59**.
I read **11:39**
